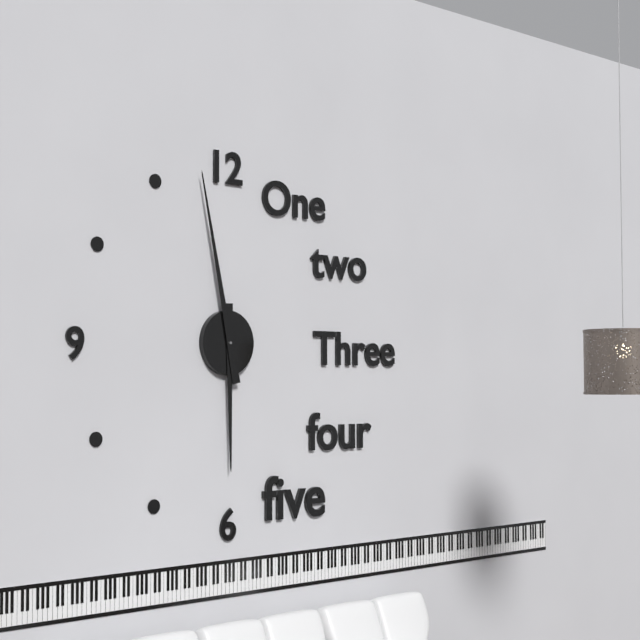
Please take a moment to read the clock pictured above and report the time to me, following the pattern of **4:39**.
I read **5:58**
